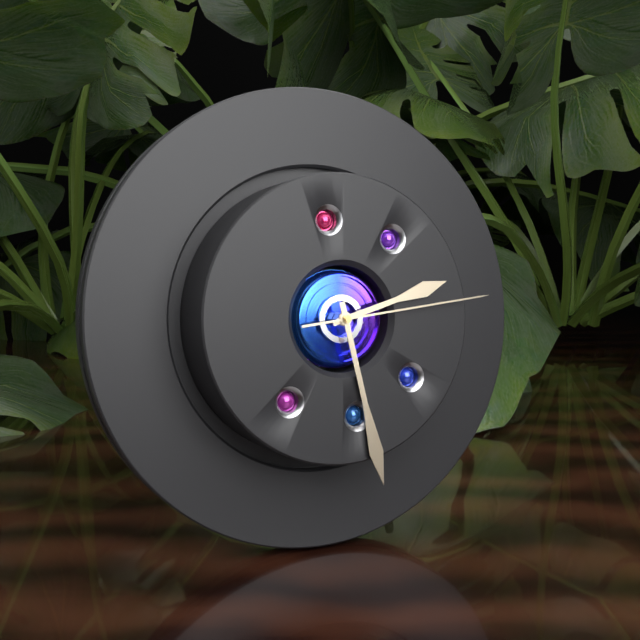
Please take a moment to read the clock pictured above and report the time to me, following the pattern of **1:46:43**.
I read **2:28:14**
